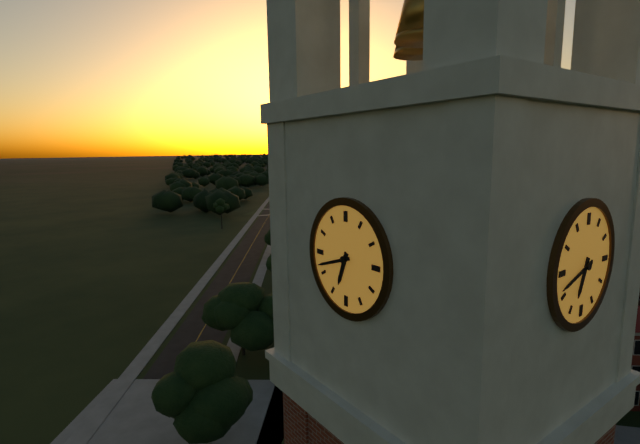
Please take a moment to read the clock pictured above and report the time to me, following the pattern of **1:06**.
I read **6:42**
